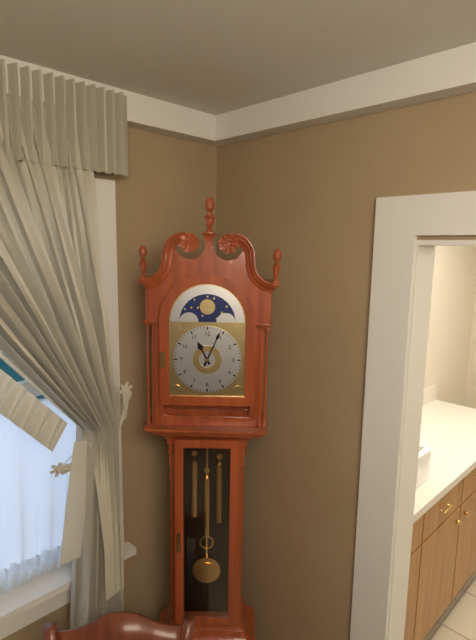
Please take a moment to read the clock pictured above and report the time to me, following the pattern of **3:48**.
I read **11:04**
